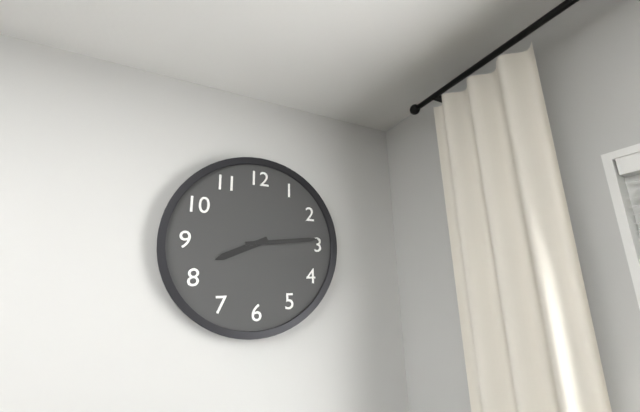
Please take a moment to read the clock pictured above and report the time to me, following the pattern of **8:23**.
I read **8:14**
